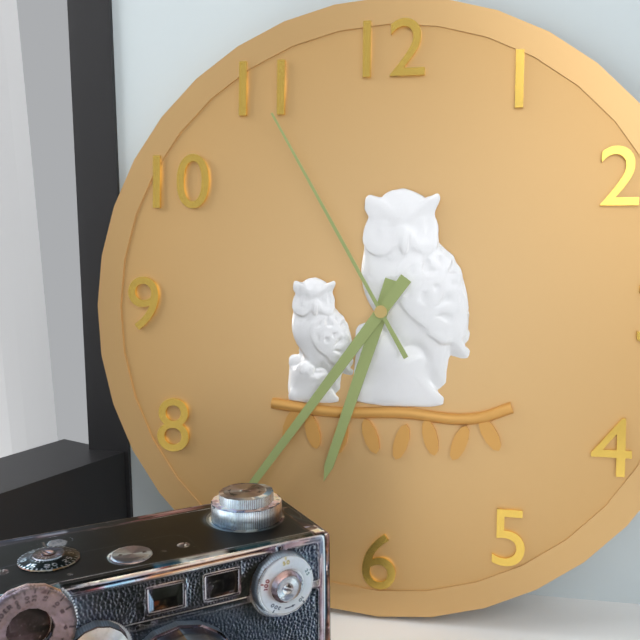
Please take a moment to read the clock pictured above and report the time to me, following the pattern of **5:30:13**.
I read **6:36:55**
